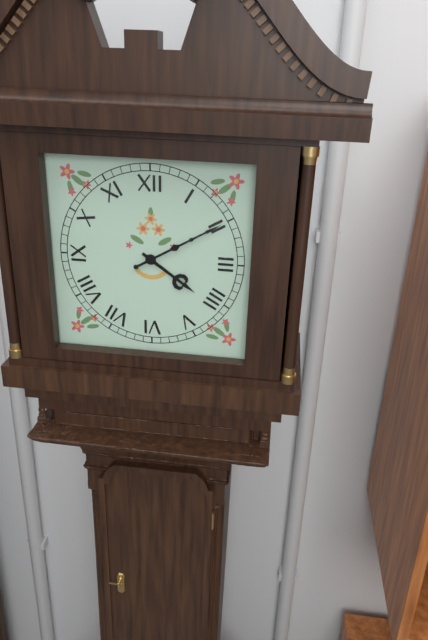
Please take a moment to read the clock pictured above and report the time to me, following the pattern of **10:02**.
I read **4:10**
